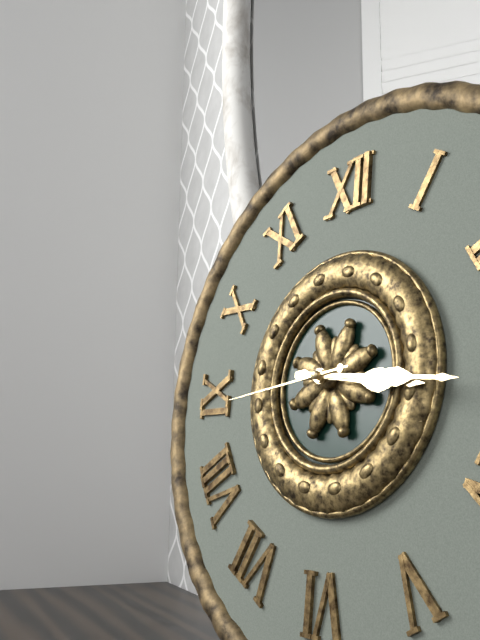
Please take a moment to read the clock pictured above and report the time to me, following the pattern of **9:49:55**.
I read **3:16:44**
